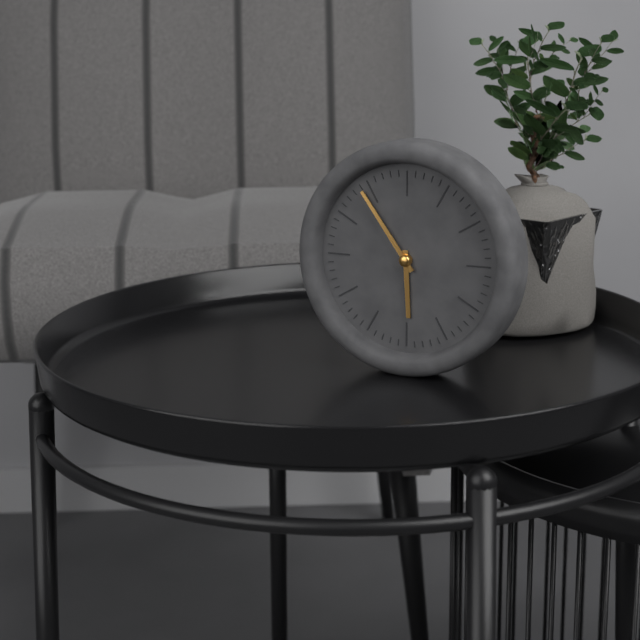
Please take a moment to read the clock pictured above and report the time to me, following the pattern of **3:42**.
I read **5:54**
